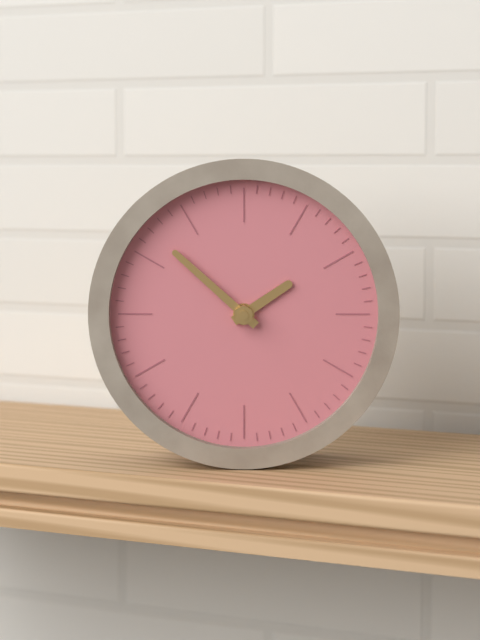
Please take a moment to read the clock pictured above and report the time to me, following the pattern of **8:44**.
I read **1:52**
